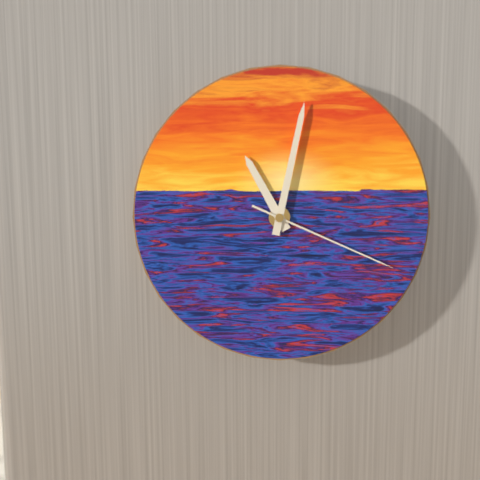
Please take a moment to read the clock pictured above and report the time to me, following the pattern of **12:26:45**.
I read **11:02:19**
